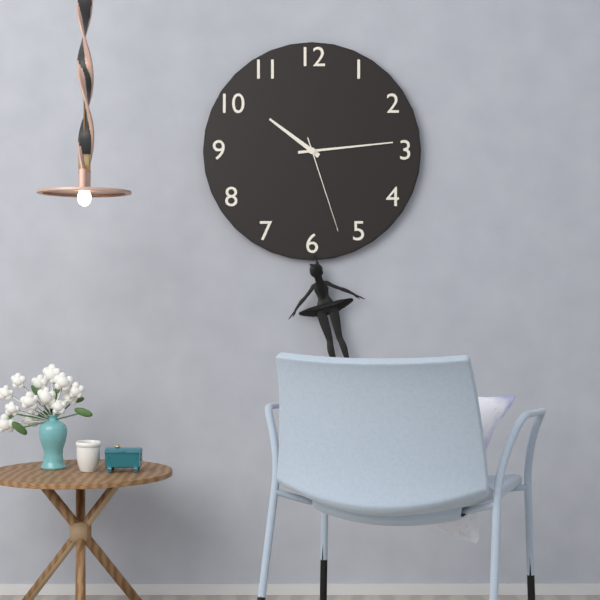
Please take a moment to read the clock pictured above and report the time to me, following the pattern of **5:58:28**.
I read **10:14:27**
